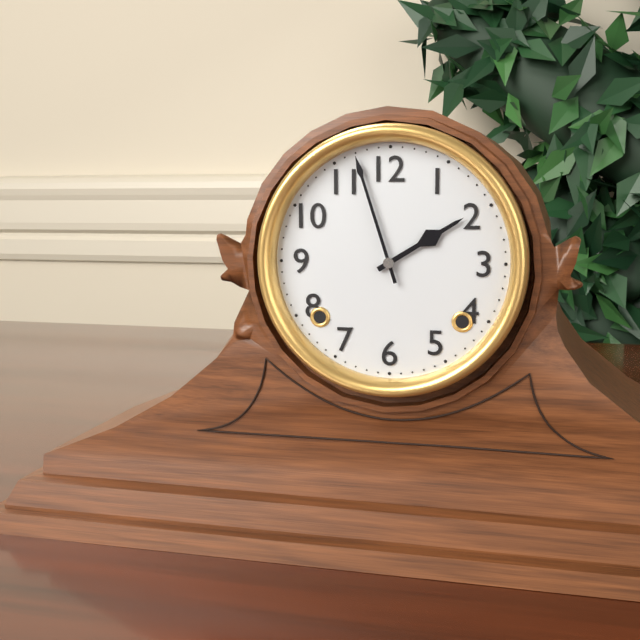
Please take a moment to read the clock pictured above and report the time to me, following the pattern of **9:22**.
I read **1:57**
